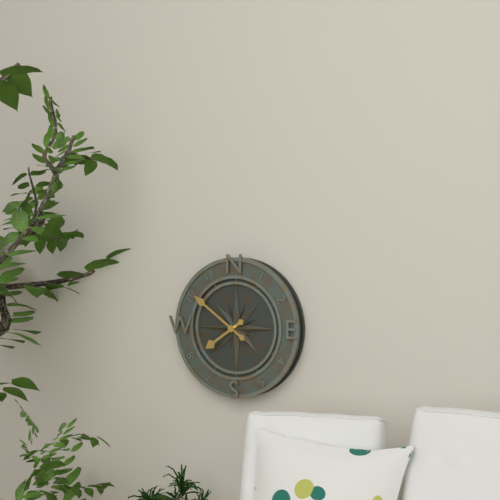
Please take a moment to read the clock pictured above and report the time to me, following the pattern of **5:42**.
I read **7:51**
